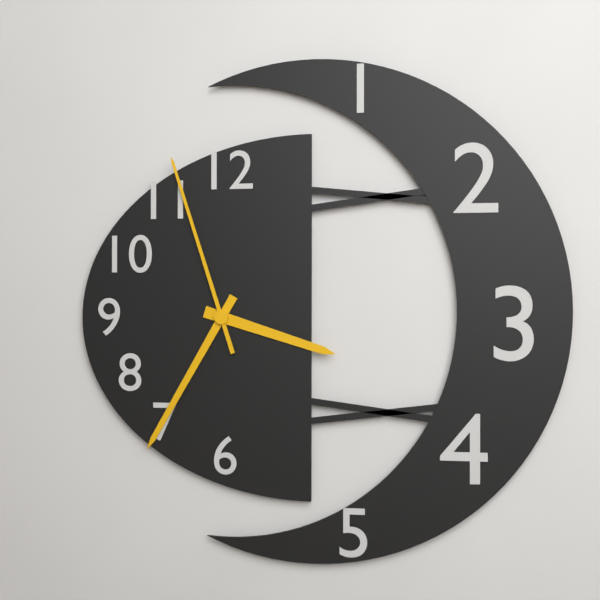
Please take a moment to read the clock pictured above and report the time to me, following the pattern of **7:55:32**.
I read **3:35:57**
